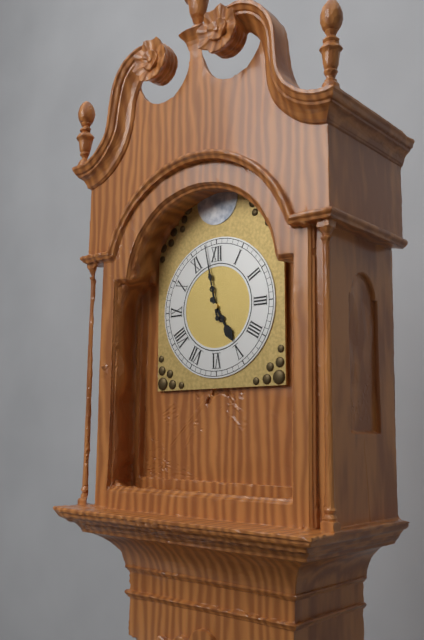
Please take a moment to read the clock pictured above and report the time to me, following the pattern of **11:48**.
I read **4:58**
